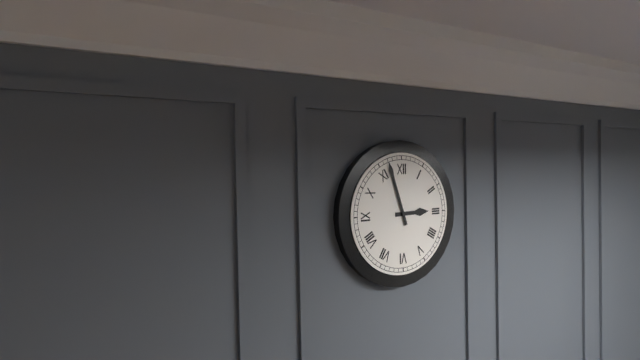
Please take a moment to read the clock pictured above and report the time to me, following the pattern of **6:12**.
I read **2:57**
